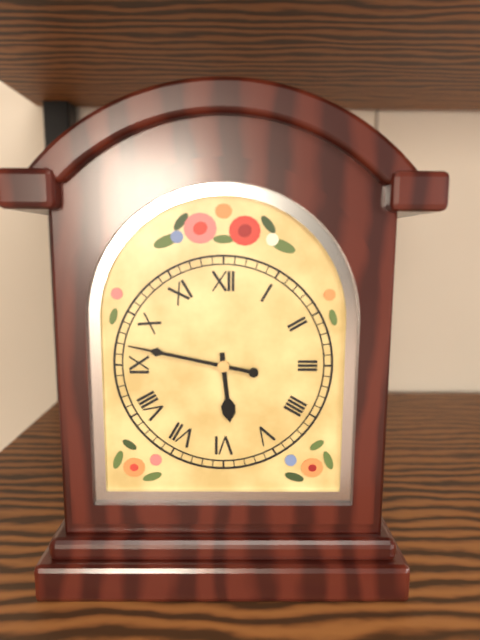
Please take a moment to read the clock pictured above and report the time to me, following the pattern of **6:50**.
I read **5:47**
